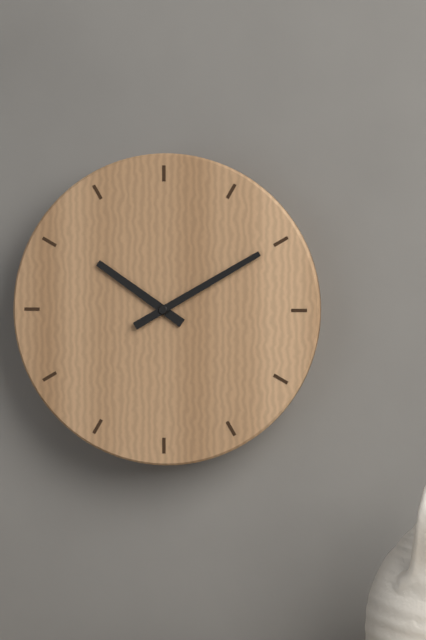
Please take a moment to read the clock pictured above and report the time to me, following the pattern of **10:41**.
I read **10:10**
